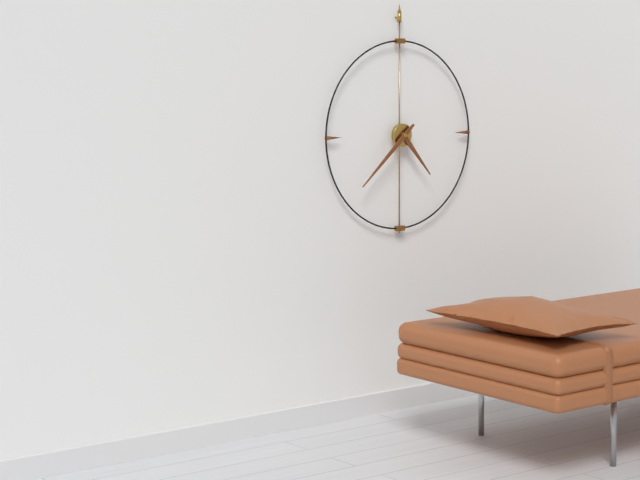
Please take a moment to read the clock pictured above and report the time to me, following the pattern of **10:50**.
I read **4:38**
